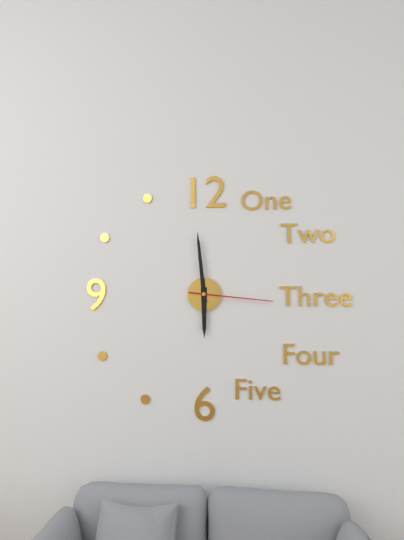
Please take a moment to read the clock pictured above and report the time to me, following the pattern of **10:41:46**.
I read **5:59:16**
